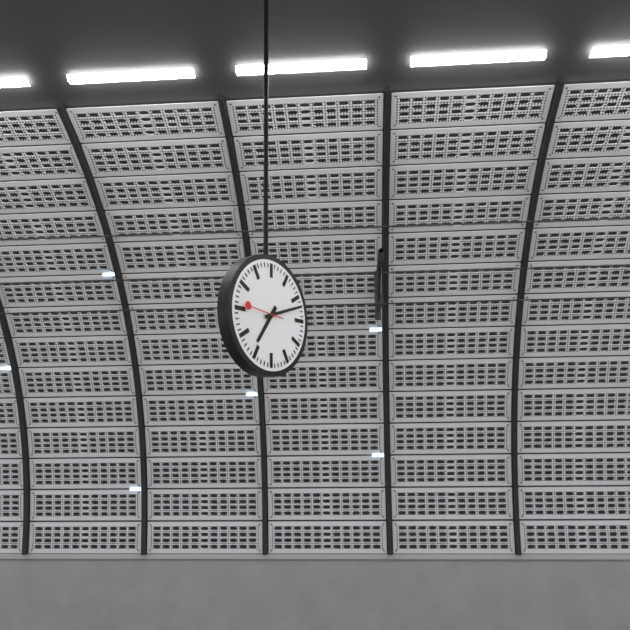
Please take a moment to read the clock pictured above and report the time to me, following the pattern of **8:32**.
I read **7:12**
